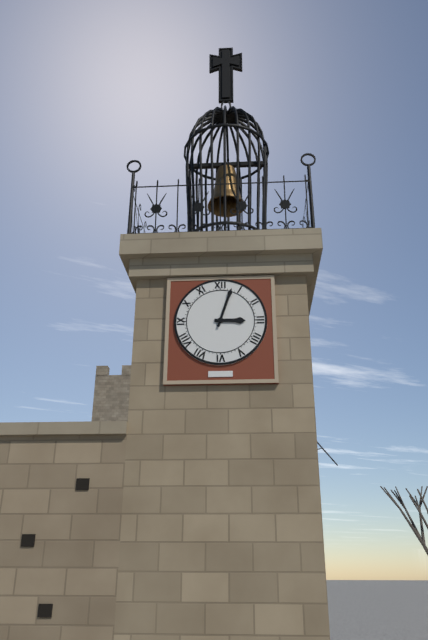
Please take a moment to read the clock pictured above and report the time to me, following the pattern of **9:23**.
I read **3:03**
